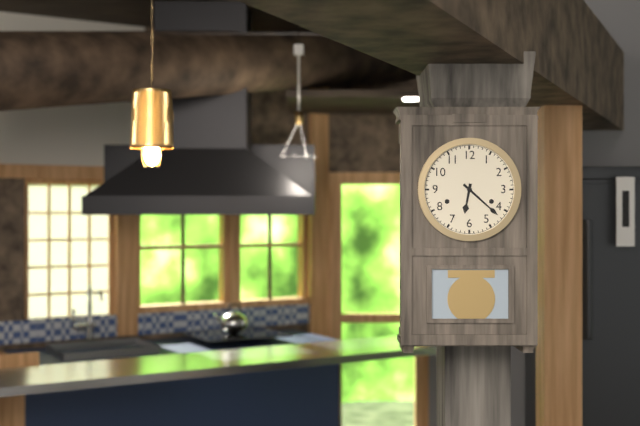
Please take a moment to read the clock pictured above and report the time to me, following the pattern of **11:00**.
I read **6:22**
